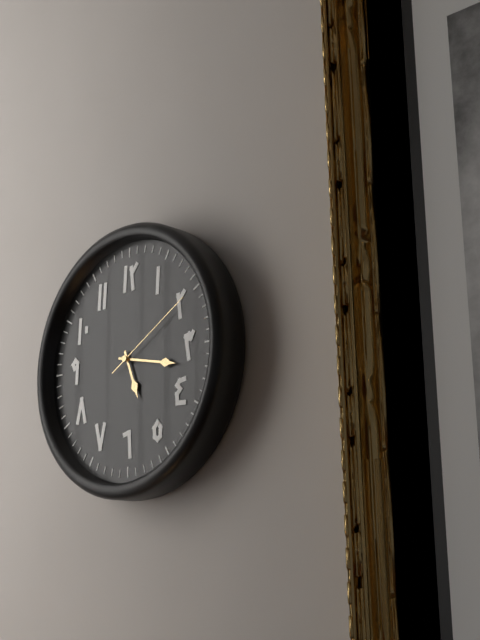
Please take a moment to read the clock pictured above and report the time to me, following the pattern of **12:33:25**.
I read **5:17:10**
